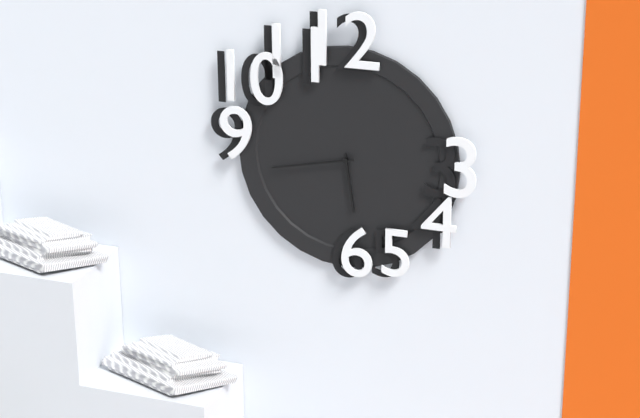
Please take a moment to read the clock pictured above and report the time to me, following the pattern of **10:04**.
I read **5:43**
